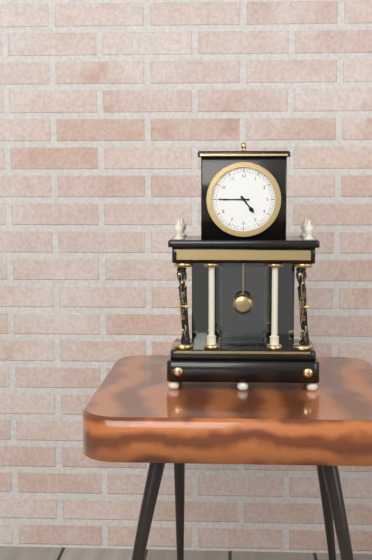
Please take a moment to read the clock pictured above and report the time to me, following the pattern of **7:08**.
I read **4:45**
